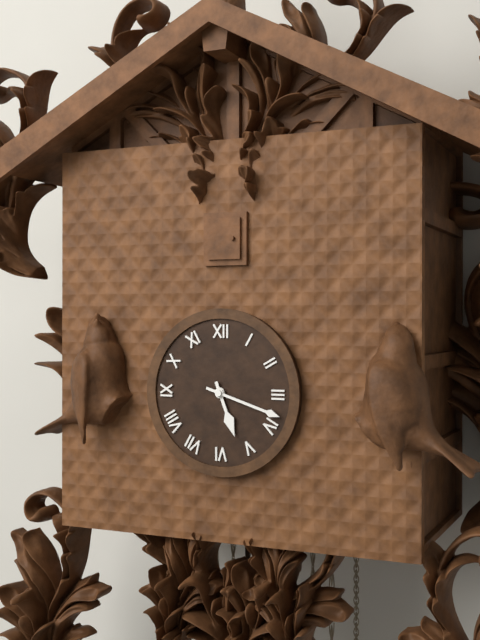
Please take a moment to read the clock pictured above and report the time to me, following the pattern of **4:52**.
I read **5:18**
